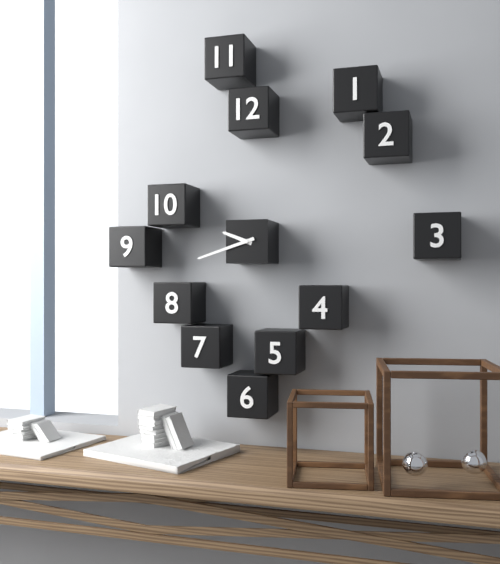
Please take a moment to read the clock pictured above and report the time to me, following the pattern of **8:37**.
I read **9:42**
